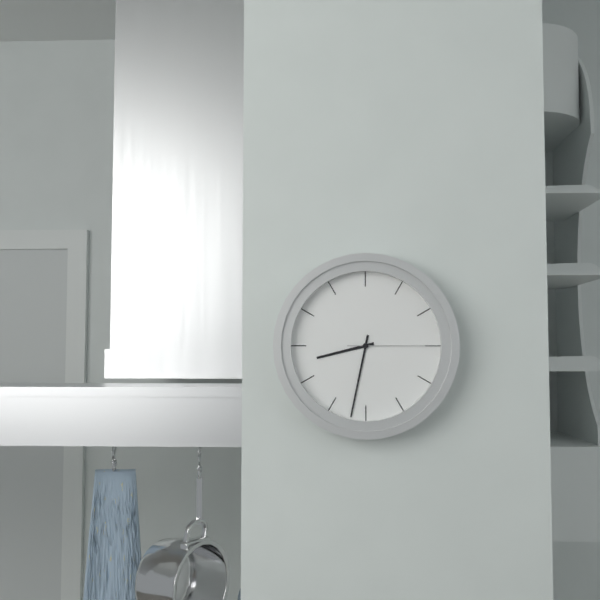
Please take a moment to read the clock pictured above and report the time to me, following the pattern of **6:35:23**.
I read **8:32:15**
